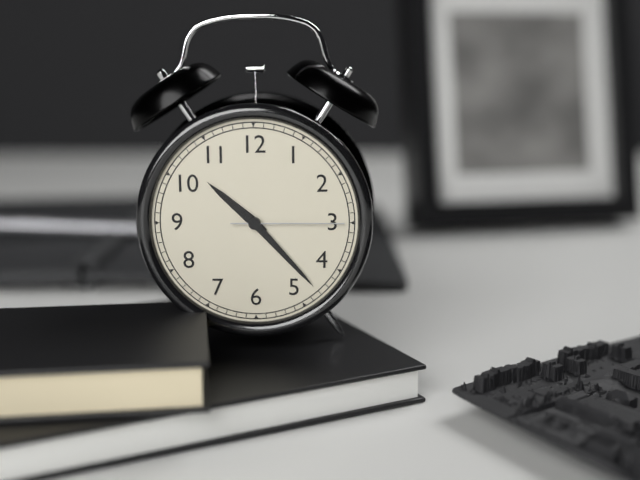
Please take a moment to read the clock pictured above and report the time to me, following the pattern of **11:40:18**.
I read **10:23:15**
